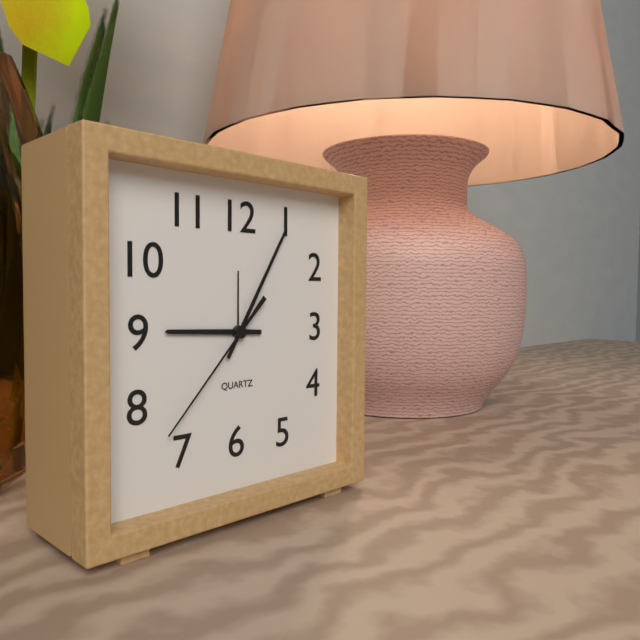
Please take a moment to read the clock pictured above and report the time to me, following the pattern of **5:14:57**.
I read **9:05:37**
